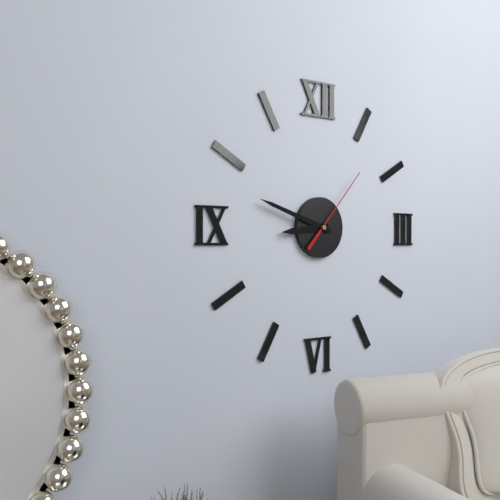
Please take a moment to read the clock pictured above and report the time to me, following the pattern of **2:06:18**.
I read **8:48:07**
